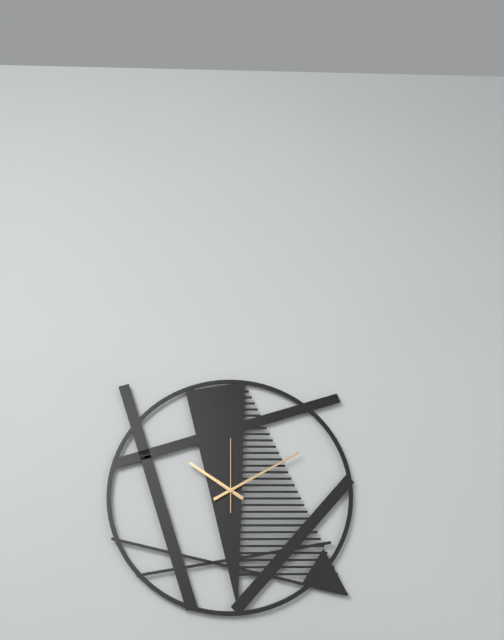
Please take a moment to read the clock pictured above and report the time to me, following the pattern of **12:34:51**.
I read **10:10:00**
